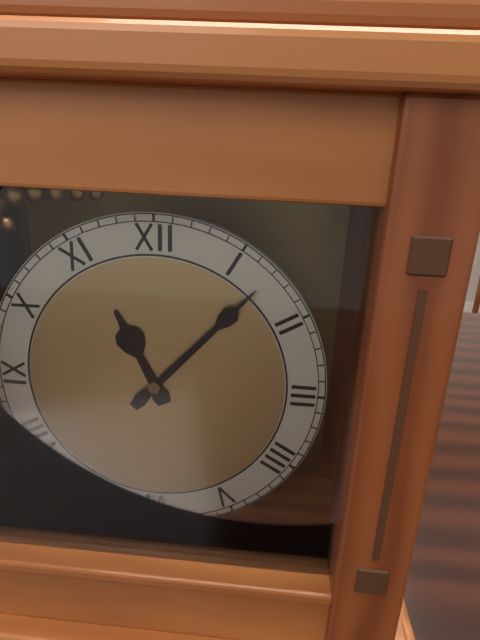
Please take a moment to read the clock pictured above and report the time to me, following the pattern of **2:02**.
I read **11:07**
